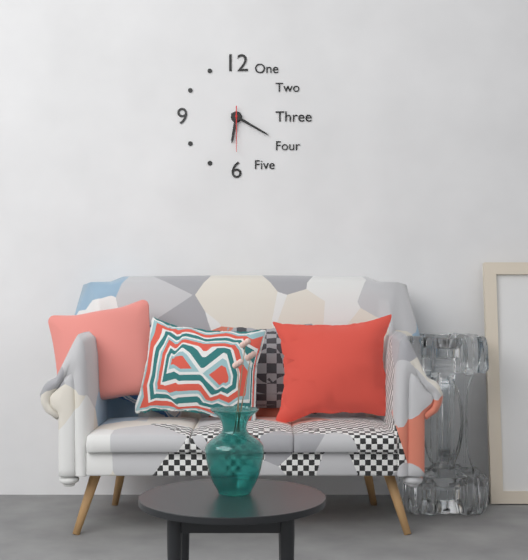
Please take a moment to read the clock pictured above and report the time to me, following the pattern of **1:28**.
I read **6:20**
